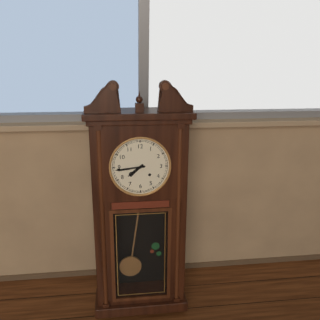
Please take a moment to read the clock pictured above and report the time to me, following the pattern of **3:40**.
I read **7:44**
